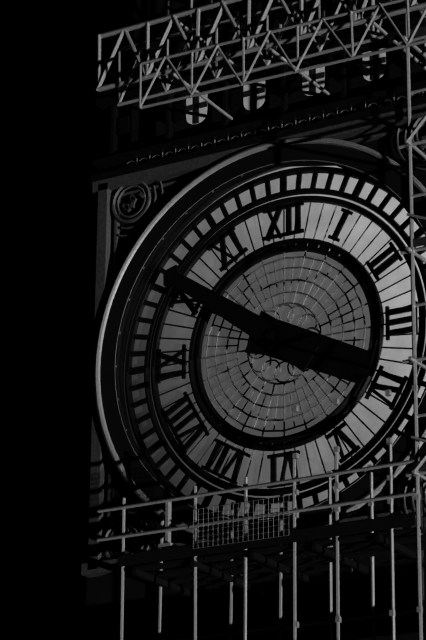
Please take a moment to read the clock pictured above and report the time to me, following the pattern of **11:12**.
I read **3:51**
